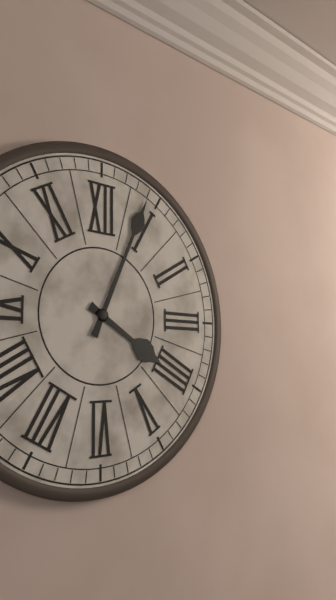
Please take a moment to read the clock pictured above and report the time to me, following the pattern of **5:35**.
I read **4:04**
